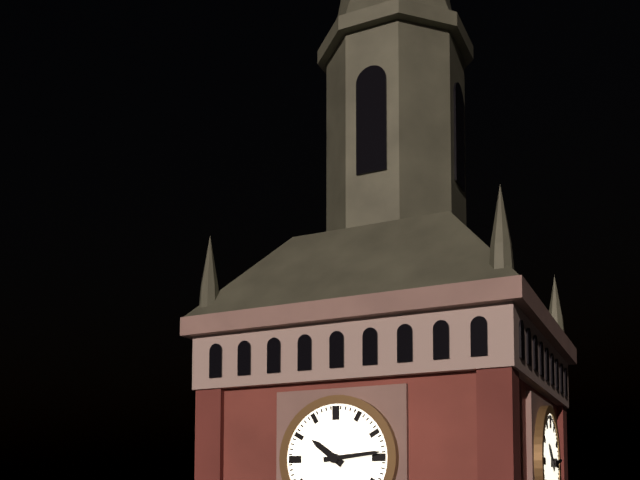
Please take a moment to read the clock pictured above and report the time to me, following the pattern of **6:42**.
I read **10:14**
